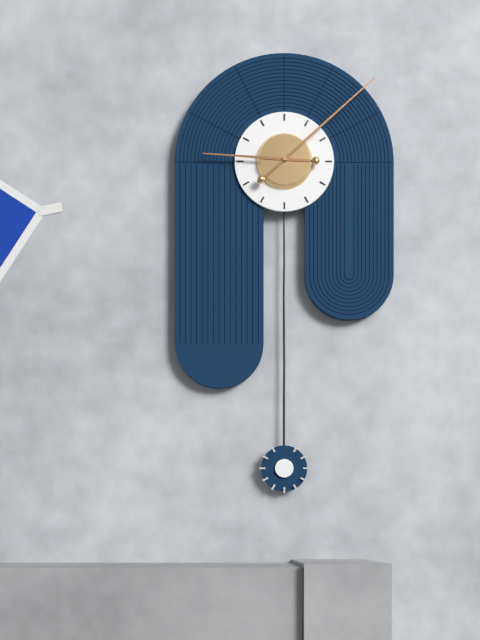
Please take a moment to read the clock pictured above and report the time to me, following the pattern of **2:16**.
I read **9:08**
